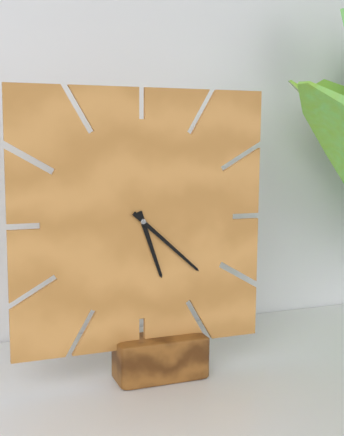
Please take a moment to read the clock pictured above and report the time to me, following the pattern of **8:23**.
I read **5:22**
